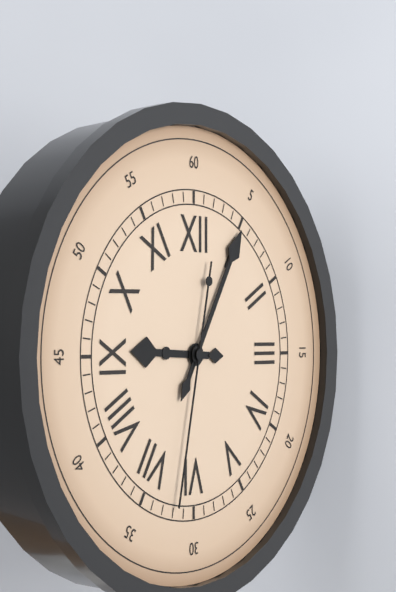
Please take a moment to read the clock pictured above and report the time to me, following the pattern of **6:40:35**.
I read **9:05:32**
